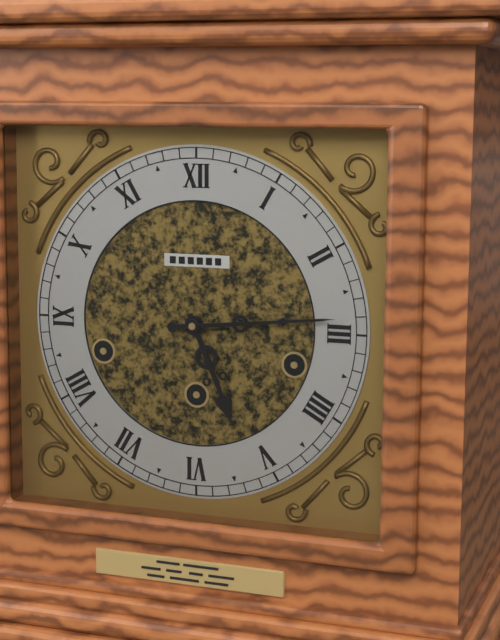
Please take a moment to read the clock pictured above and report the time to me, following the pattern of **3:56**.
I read **5:14**
